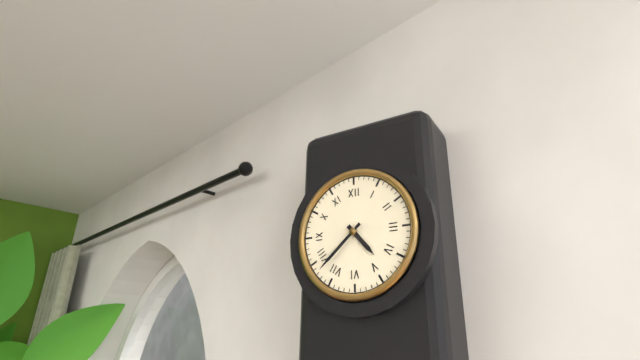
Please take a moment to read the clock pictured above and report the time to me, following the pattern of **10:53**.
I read **4:38**
